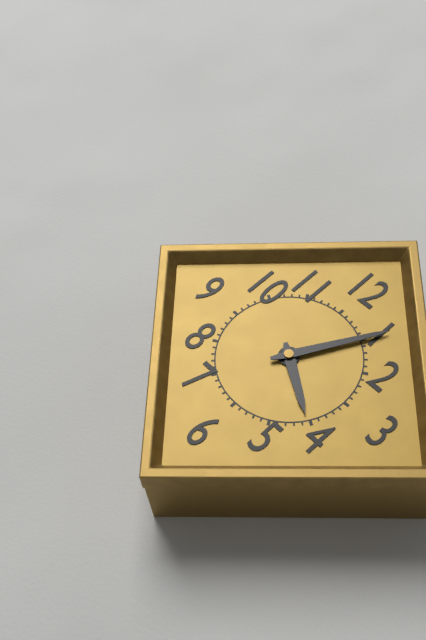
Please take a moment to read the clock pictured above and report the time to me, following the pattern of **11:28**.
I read **4:05**
